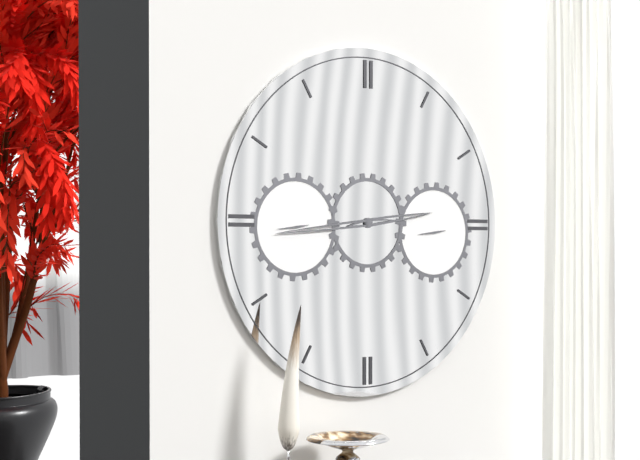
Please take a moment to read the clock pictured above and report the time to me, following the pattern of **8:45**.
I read **2:44**
